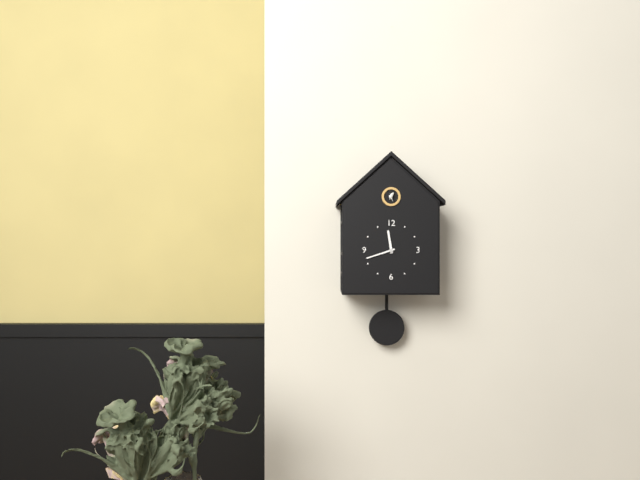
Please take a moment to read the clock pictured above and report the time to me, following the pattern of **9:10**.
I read **11:42**
